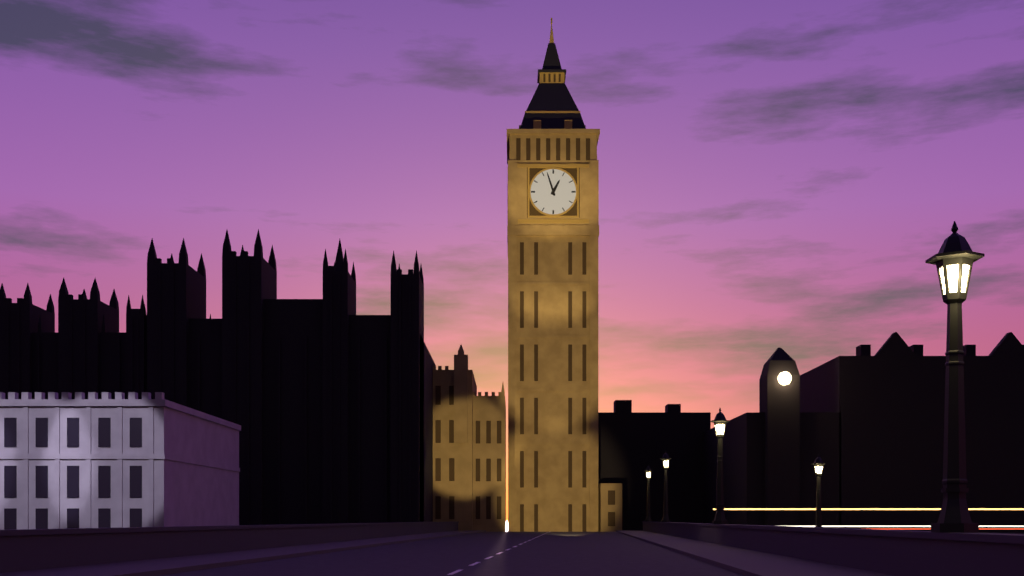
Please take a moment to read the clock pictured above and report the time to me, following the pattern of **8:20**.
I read **12:57**
